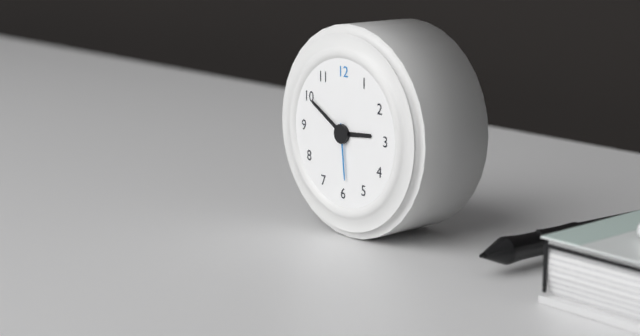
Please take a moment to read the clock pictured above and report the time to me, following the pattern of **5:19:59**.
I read **2:50:29**
